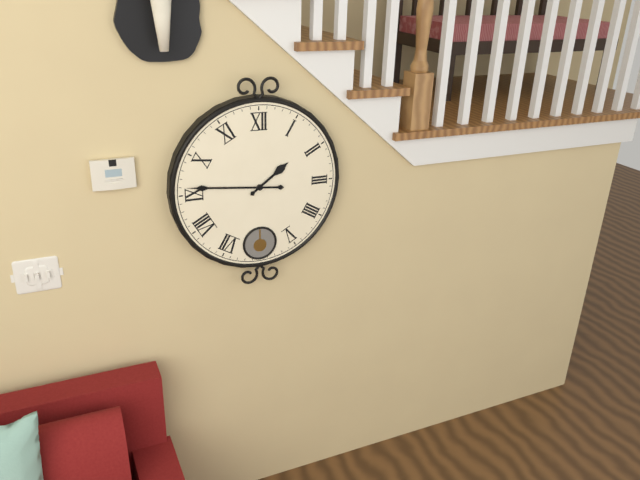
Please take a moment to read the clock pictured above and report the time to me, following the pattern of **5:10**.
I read **1:46**
